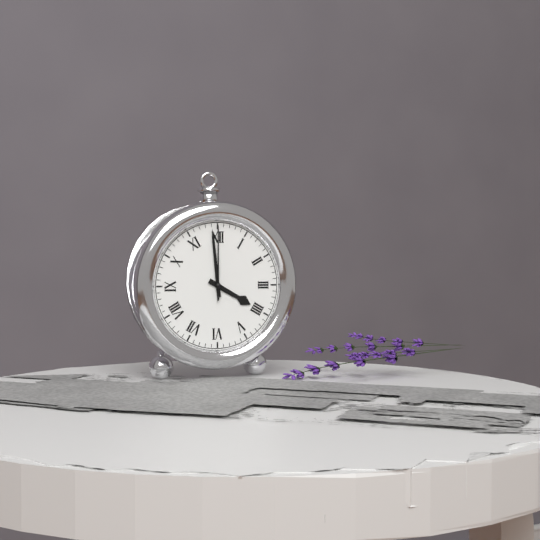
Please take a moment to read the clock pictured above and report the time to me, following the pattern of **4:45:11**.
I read **3:59:00**
